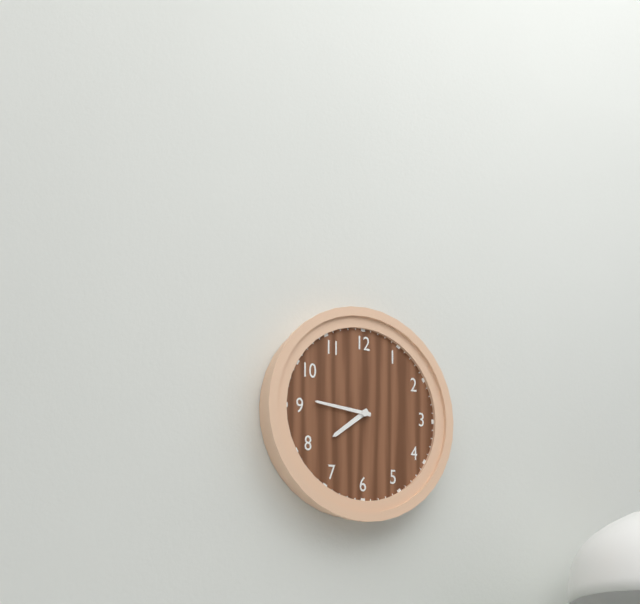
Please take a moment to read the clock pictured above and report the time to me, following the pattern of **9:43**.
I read **7:46**
